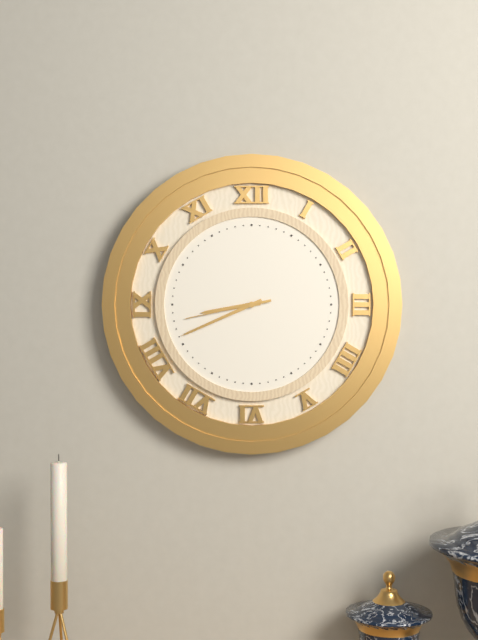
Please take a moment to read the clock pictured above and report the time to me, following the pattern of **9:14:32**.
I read **8:41:43**
